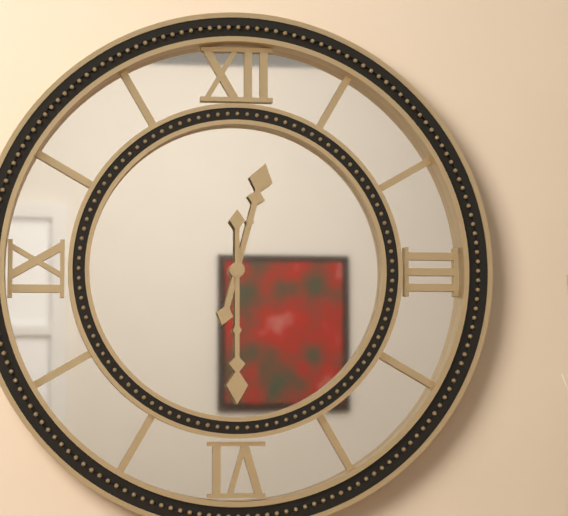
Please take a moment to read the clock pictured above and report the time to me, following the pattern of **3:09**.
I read **12:30**
